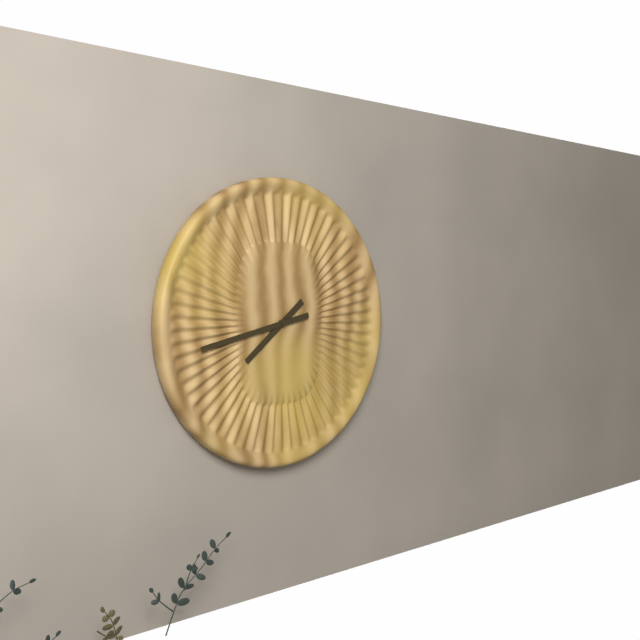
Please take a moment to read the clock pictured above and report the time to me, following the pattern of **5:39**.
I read **7:43**
